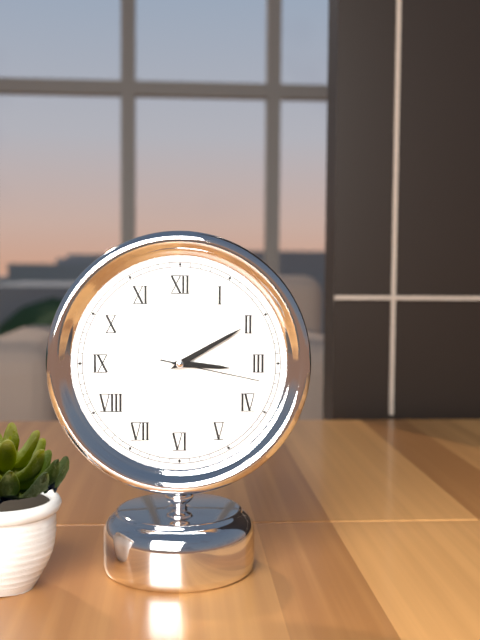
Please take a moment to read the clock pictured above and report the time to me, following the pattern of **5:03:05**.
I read **3:10:17**
